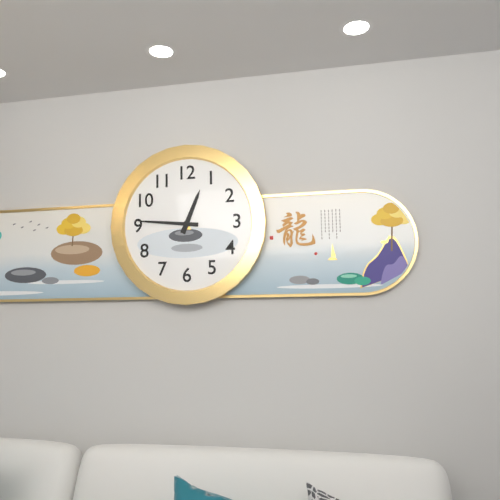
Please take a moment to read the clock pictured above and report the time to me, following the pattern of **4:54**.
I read **12:46**
